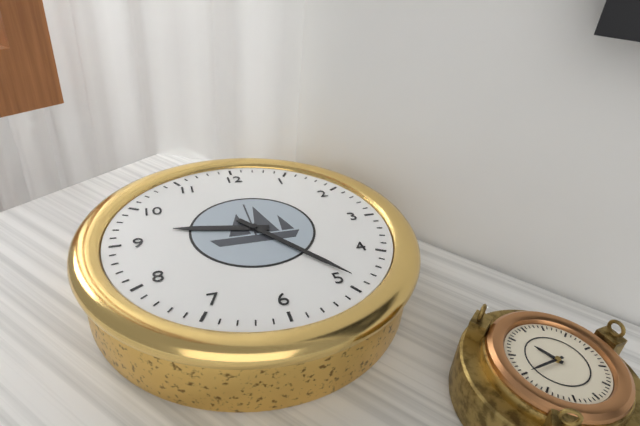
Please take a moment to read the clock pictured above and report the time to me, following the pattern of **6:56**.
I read **9:24**
